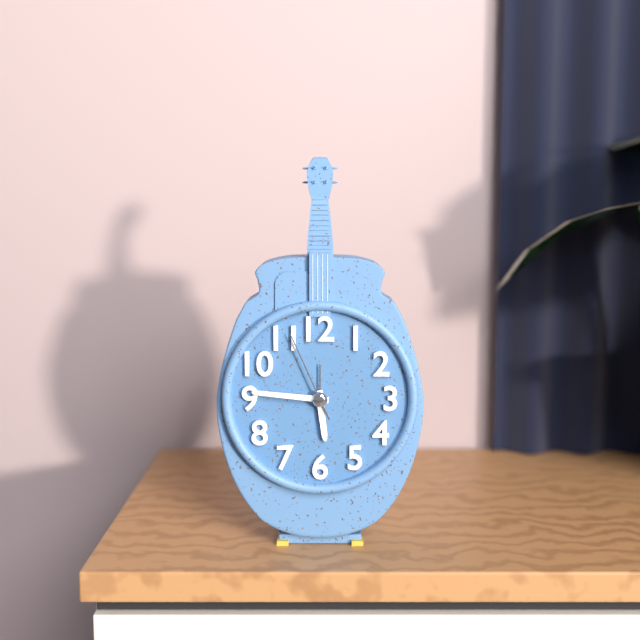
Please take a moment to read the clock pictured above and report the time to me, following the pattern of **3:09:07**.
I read **5:46:56**
